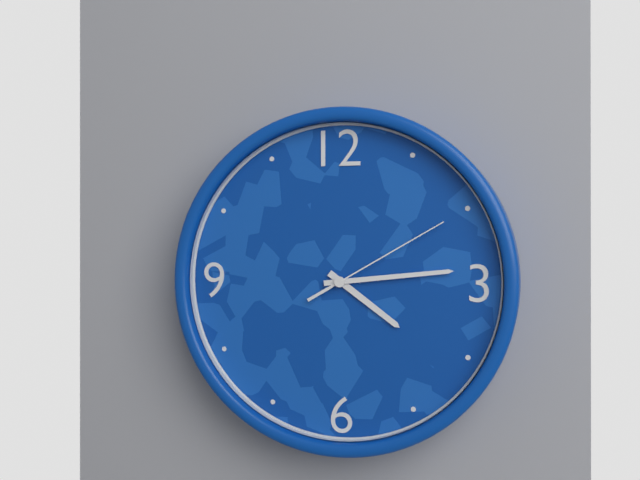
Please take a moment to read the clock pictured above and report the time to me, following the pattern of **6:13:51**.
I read **4:14:10**
